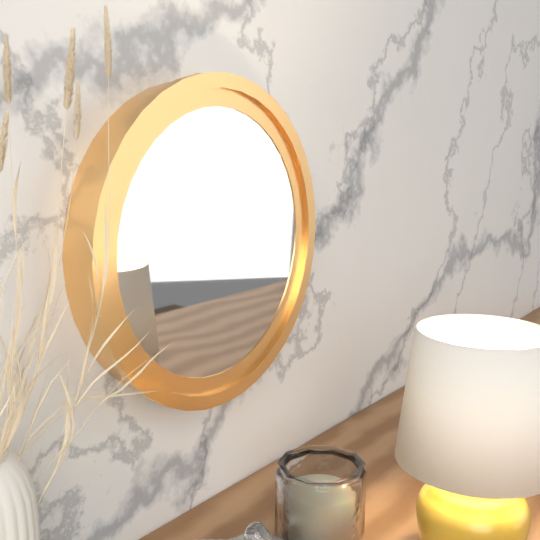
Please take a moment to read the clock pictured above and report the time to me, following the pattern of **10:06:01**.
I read **9:41:43**
